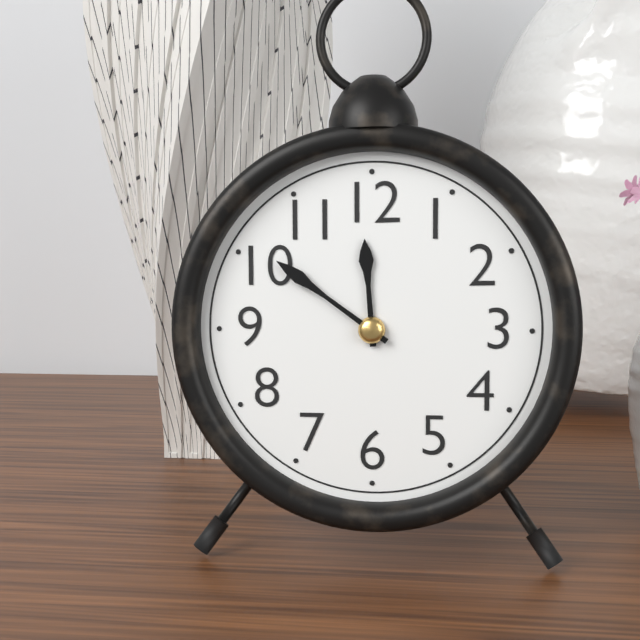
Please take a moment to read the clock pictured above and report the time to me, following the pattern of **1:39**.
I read **11:51**
